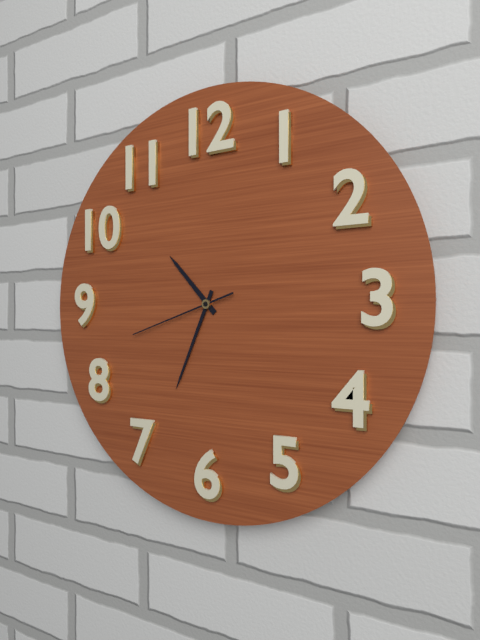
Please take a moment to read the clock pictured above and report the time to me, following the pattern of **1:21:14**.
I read **10:34:42**
